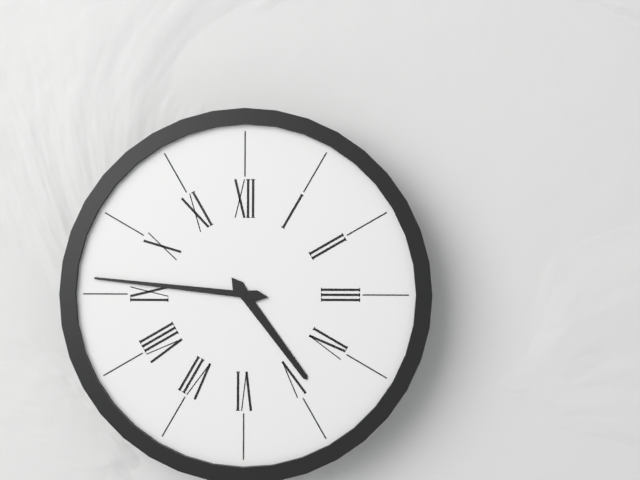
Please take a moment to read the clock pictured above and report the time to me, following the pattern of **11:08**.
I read **4:46**
